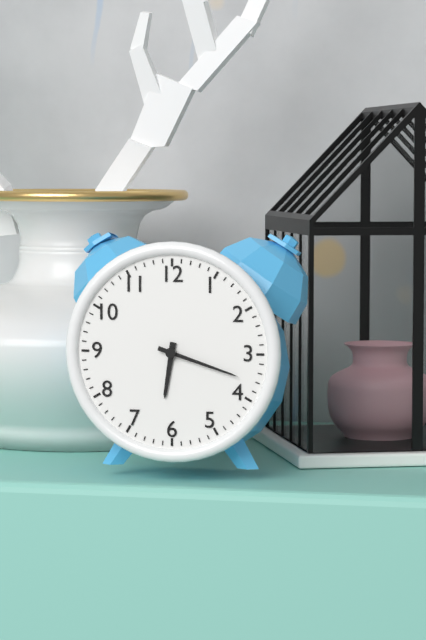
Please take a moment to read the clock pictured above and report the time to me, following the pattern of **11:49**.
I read **6:18**
